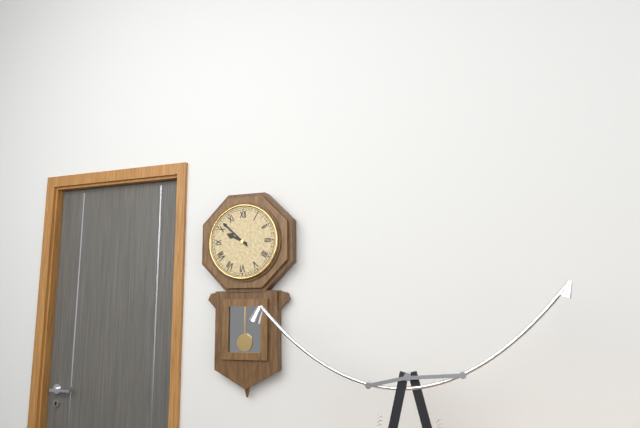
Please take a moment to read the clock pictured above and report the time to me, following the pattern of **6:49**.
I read **9:52**
